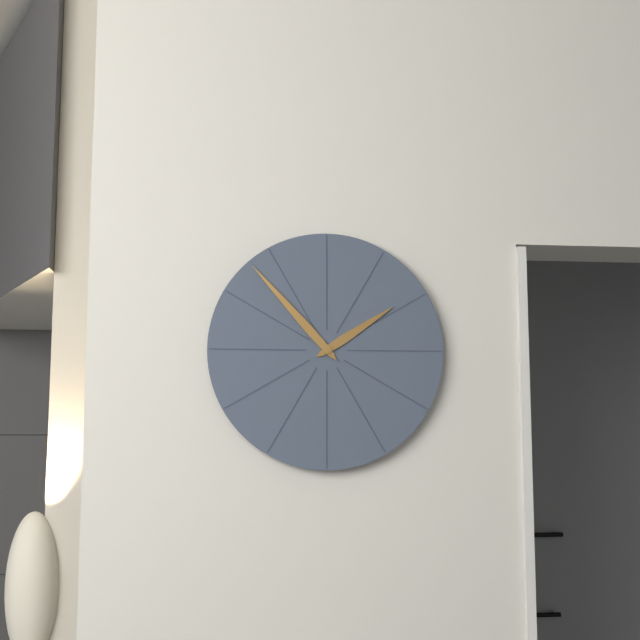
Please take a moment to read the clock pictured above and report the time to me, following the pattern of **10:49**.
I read **1:53**
